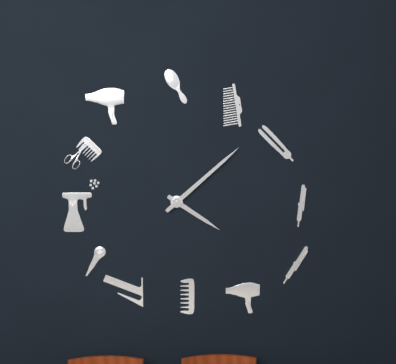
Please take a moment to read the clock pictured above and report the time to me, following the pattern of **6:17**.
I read **4:08**
